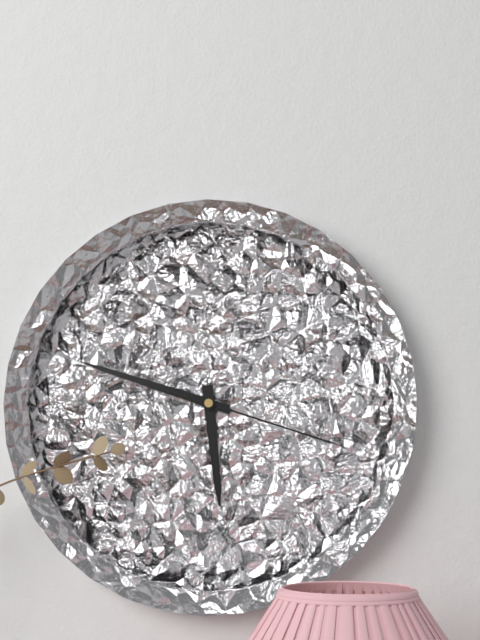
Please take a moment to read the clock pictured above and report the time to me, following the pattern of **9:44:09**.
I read **5:48:18**
